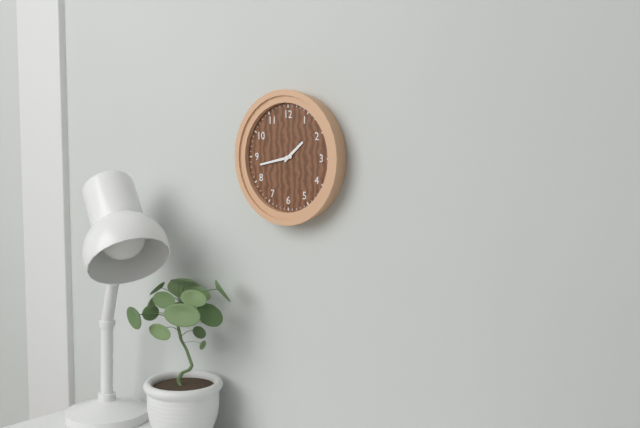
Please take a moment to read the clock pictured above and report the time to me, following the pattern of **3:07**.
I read **1:43**
